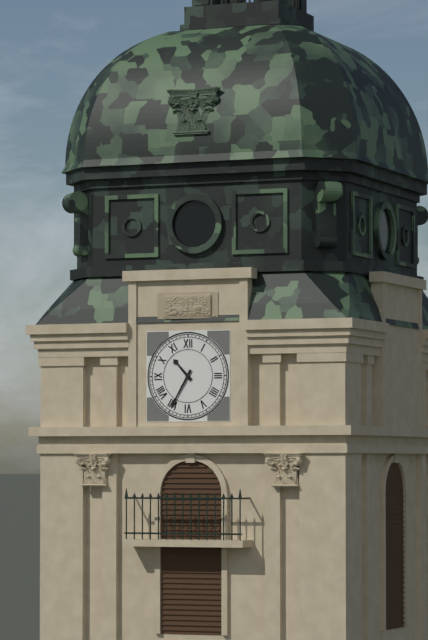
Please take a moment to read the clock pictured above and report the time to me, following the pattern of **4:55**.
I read **10:35**
